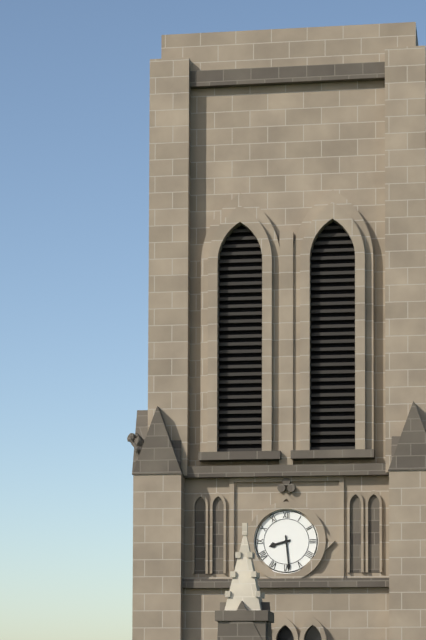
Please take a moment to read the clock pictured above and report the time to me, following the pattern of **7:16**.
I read **8:29**
